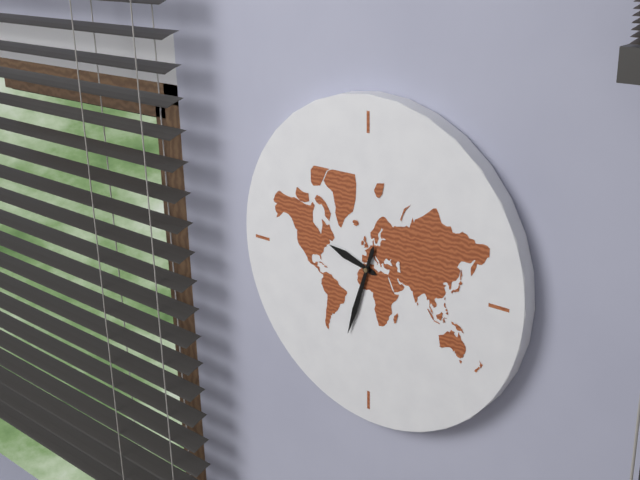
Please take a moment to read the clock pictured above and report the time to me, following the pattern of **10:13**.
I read **9:33**
